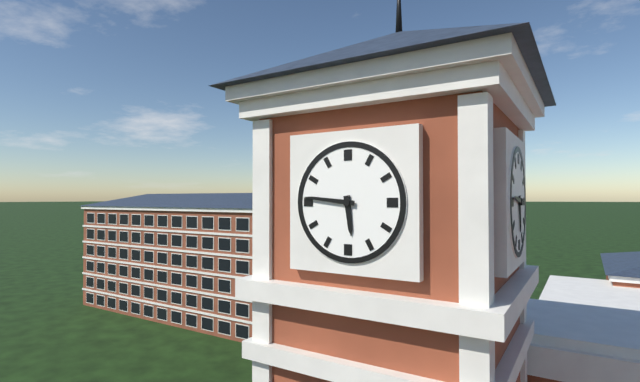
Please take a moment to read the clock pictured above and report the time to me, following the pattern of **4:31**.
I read **5:46**
